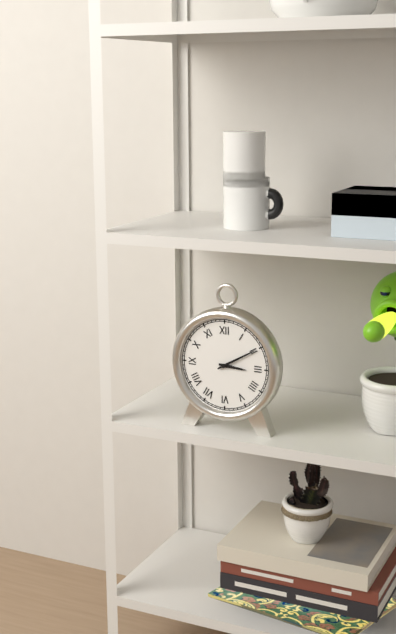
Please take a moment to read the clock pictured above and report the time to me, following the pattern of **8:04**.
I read **3:10**
